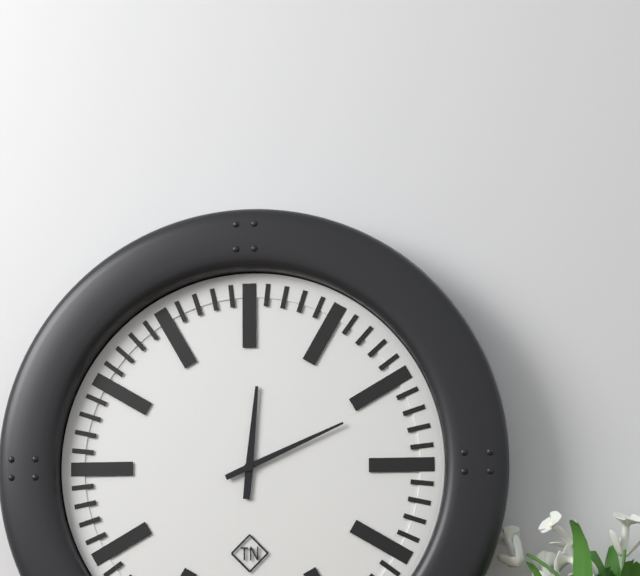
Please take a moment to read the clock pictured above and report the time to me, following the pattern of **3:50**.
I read **12:11**
